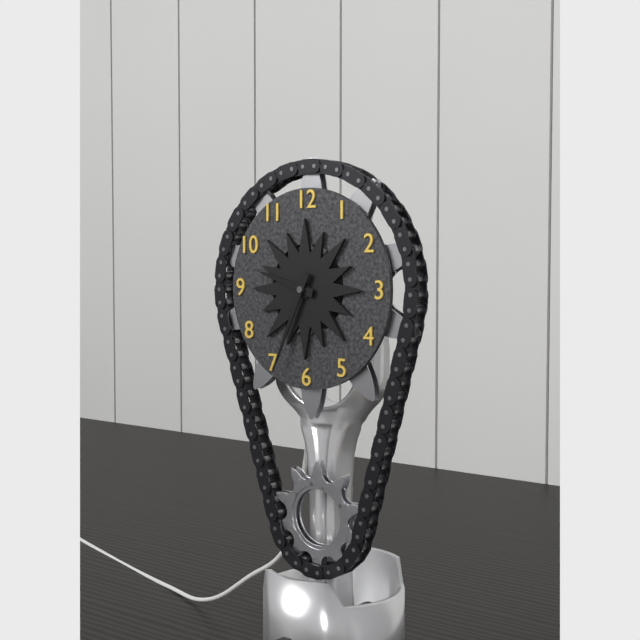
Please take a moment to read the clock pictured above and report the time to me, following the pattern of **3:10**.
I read **9:34**
